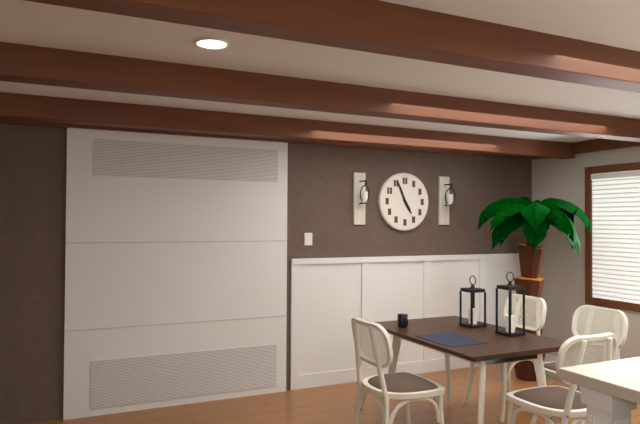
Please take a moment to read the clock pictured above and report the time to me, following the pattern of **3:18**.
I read **4:56**
